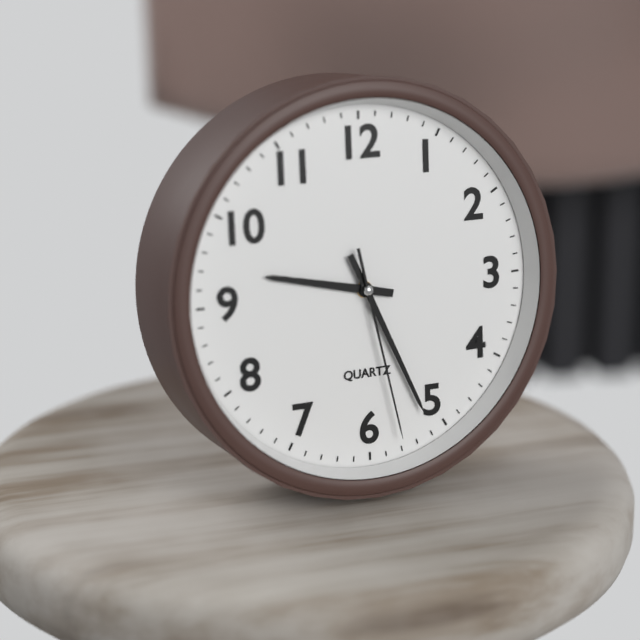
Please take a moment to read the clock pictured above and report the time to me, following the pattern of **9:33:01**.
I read **9:26:28**
